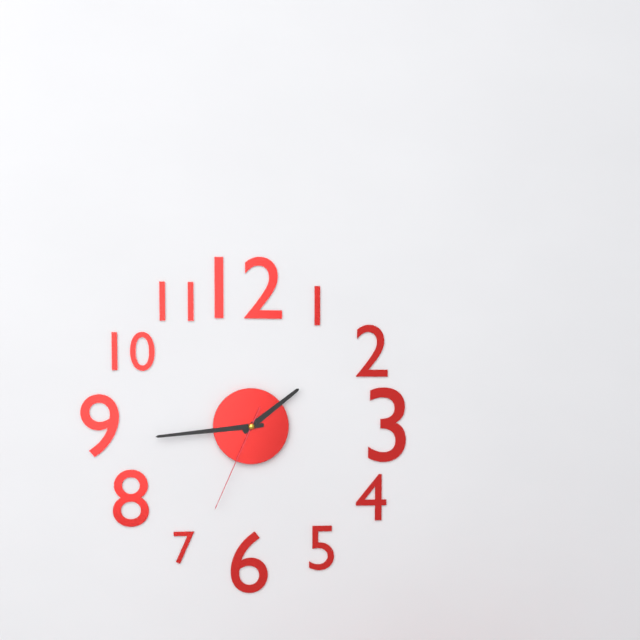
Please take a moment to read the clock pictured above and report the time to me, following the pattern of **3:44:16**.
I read **1:44:34**
